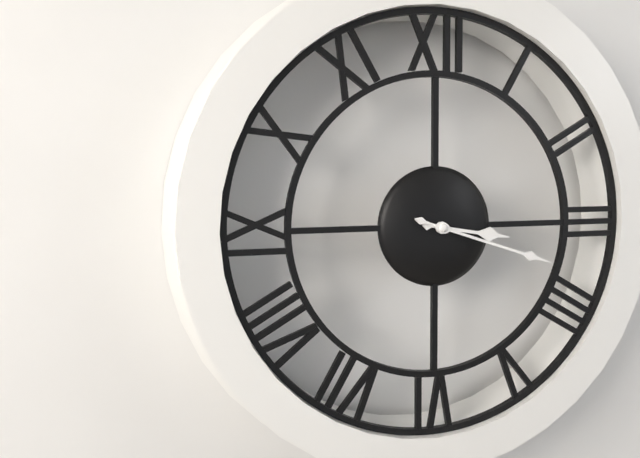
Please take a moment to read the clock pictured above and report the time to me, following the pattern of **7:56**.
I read **3:18**
